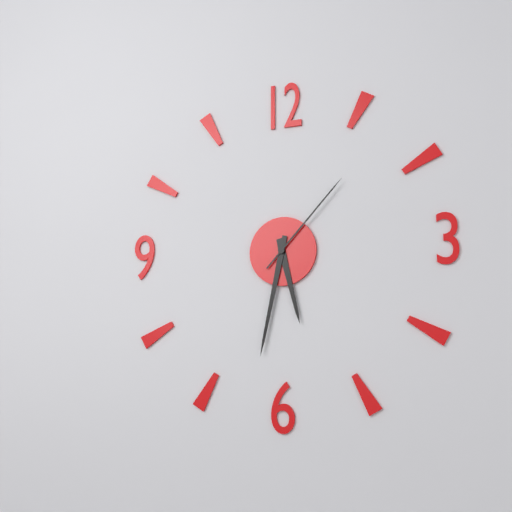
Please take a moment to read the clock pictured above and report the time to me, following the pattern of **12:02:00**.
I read **5:32:07**
